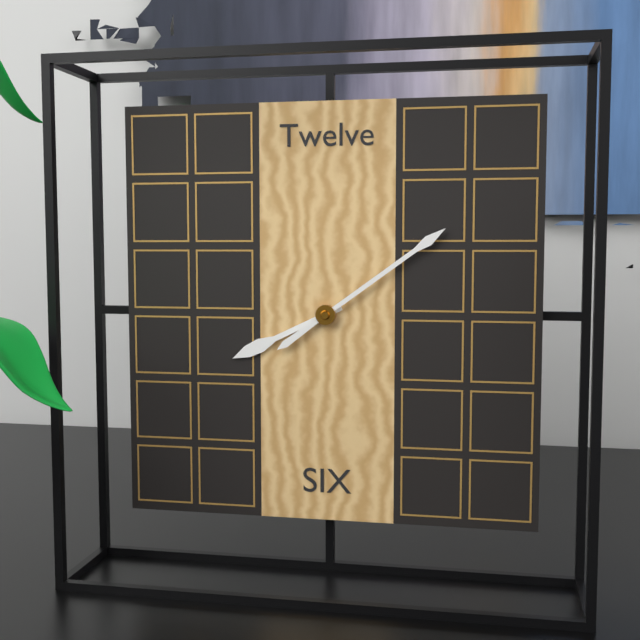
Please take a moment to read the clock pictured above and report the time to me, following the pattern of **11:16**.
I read **8:09**
